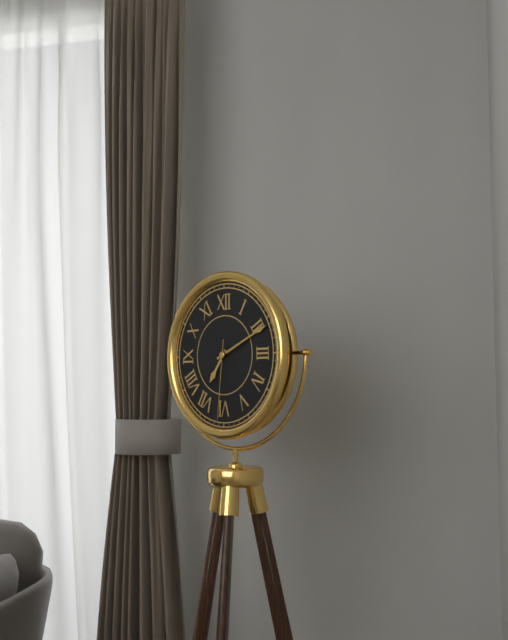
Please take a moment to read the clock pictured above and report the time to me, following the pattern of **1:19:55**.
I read **7:11:31**
